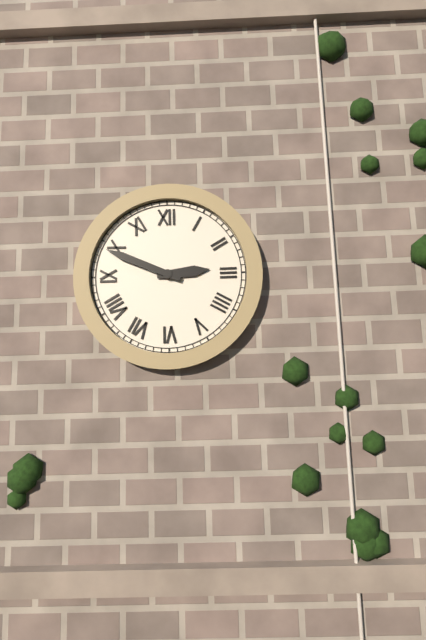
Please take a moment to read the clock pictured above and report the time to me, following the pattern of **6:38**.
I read **2:49**
